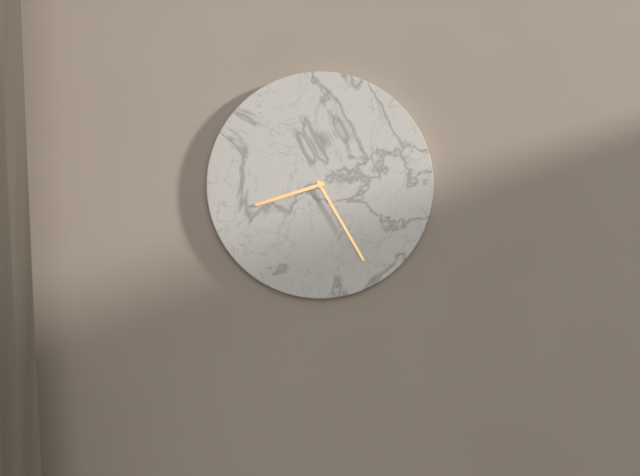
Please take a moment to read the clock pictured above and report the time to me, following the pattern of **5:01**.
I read **8:25**
